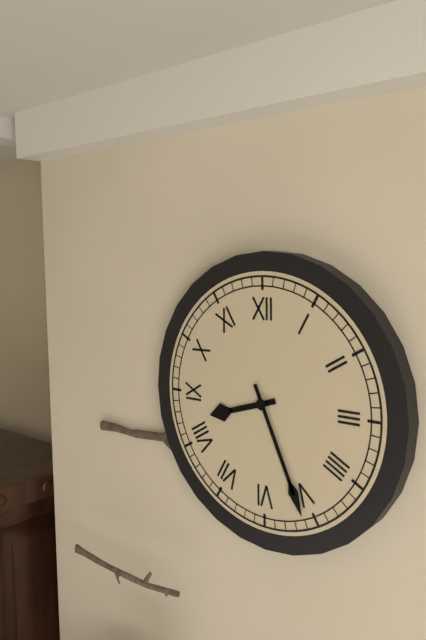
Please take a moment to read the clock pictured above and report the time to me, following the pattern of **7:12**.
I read **8:26**
